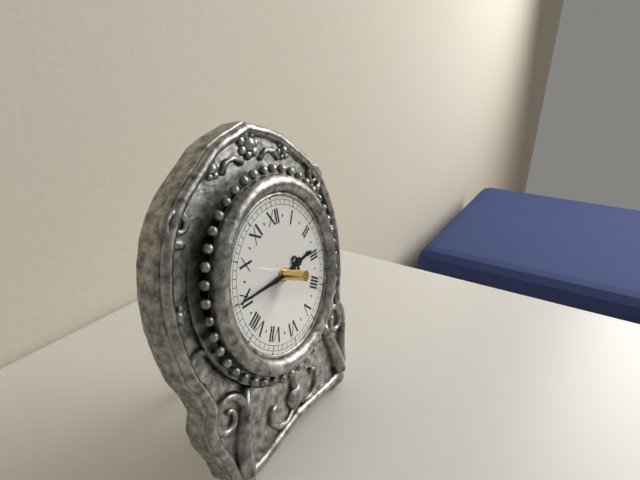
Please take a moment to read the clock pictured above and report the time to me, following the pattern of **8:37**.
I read **2:45**
